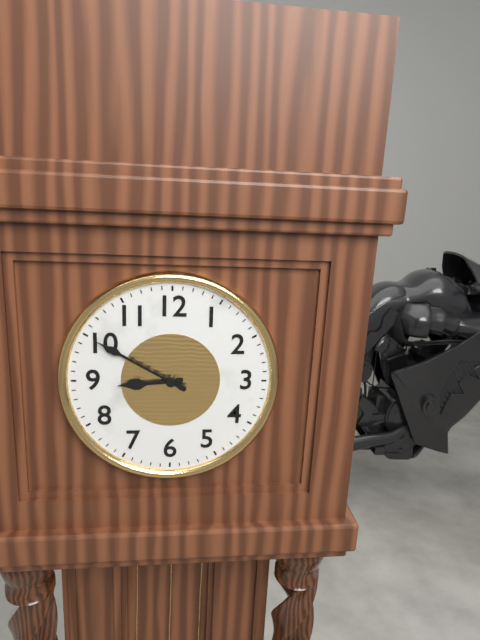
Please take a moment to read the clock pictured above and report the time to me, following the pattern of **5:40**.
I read **8:50**
